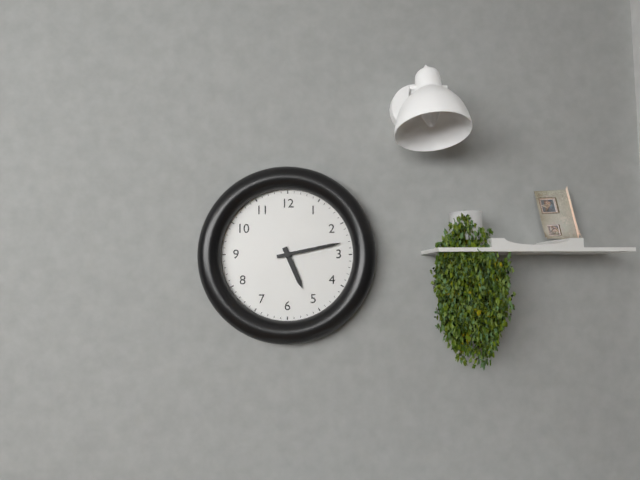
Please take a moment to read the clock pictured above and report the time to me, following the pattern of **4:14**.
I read **5:13**
